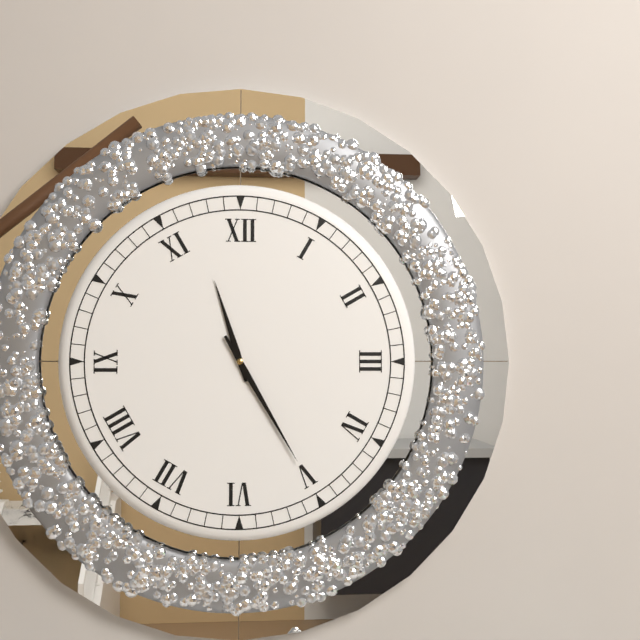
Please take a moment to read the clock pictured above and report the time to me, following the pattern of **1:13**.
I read **11:25**
